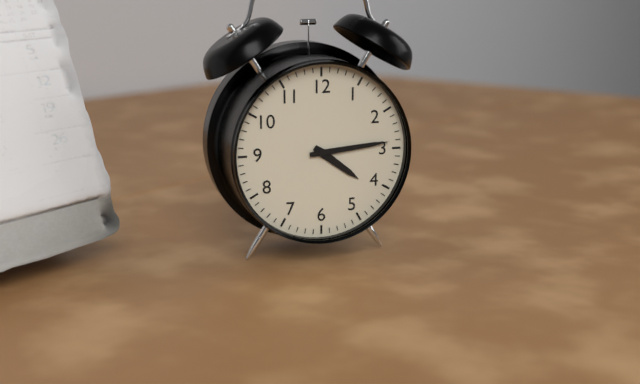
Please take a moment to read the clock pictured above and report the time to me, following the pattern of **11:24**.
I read **4:14**
